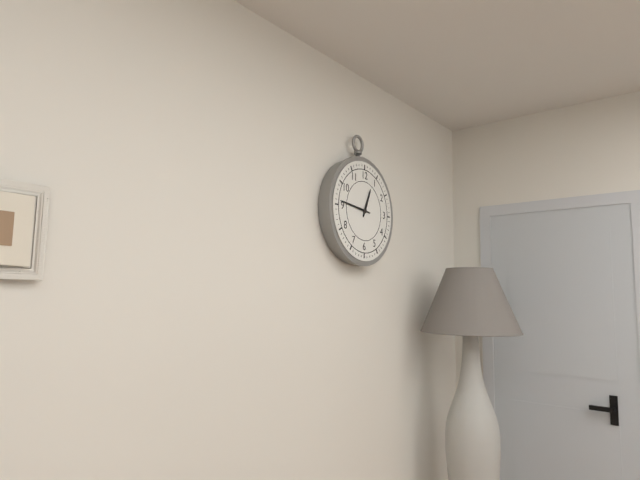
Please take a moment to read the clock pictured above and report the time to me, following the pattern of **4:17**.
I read **12:46**
